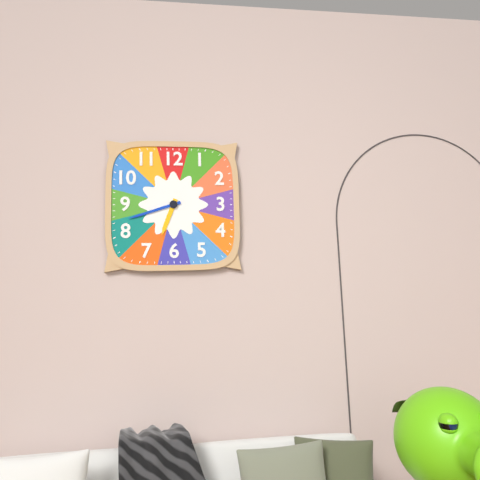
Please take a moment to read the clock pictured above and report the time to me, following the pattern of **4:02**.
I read **6:42**
